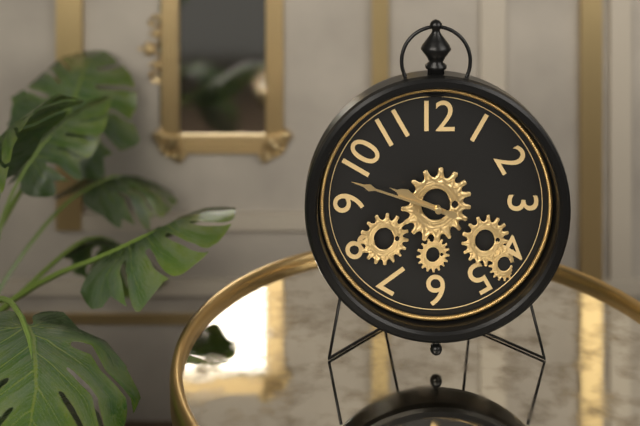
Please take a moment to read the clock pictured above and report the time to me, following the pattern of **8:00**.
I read **9:48**
